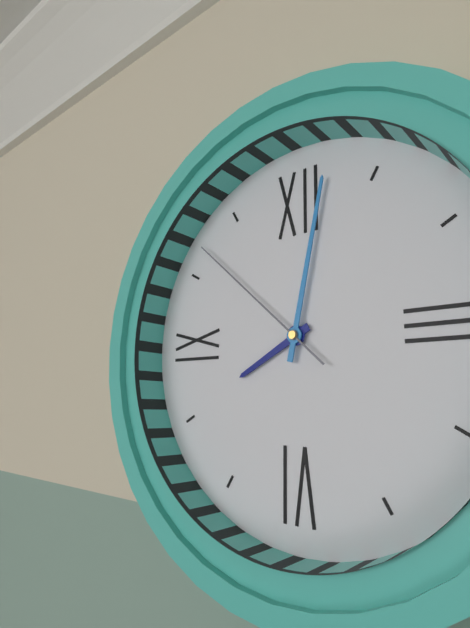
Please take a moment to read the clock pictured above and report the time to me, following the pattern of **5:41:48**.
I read **8:02:52**
